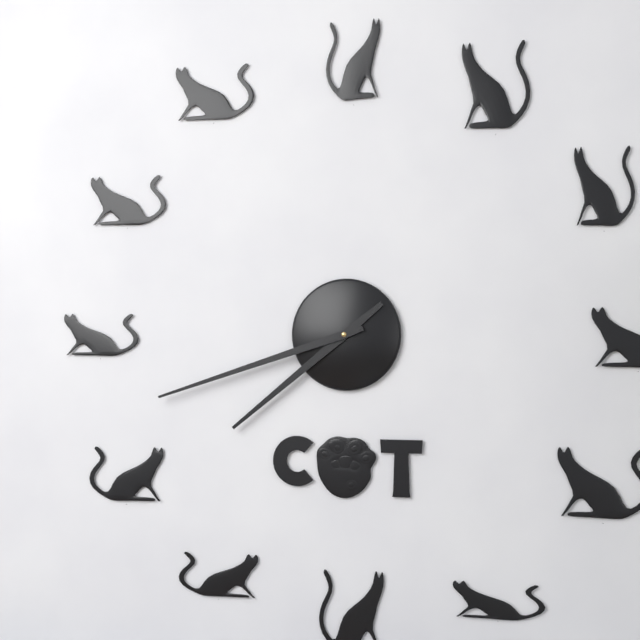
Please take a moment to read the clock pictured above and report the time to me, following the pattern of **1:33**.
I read **7:42**
